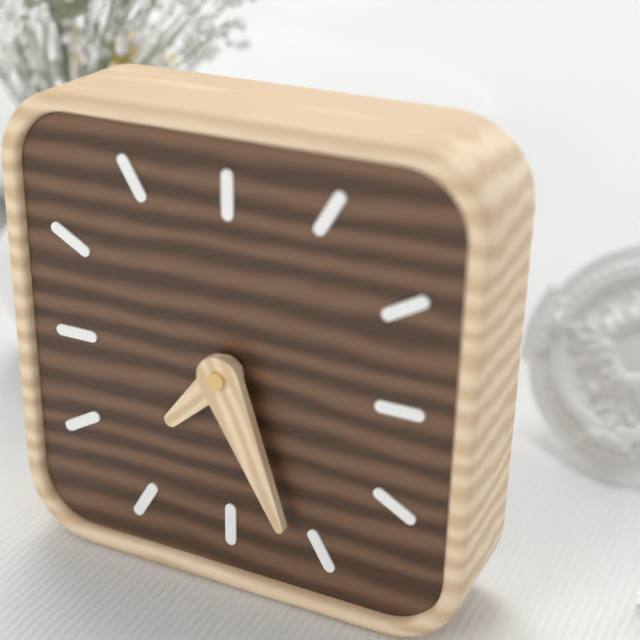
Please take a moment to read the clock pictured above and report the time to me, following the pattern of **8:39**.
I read **7:26**
